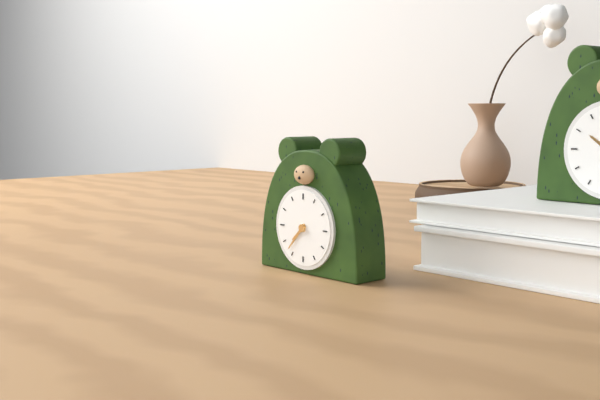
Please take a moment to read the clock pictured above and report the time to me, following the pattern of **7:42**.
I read **7:37**
